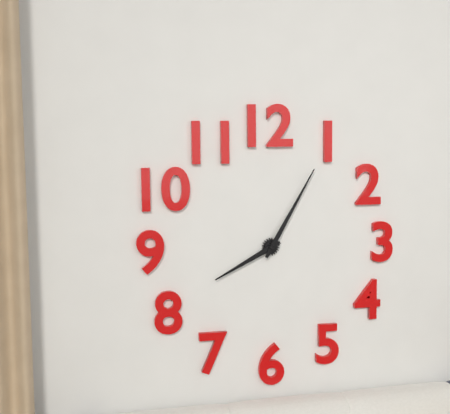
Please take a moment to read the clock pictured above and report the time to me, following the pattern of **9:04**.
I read **8:05**
